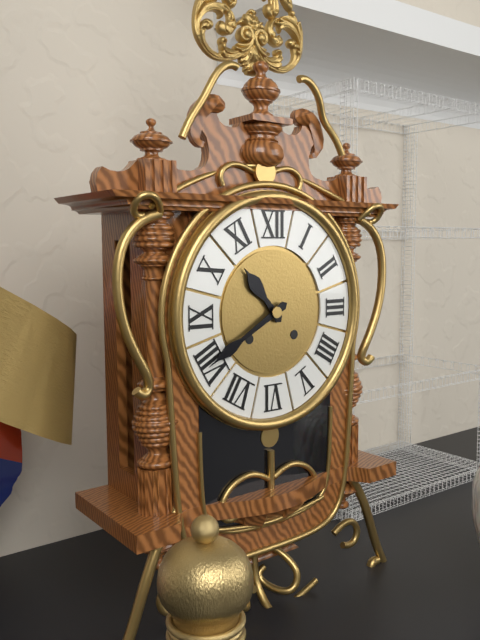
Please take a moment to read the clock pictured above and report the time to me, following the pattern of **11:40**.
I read **10:40**
